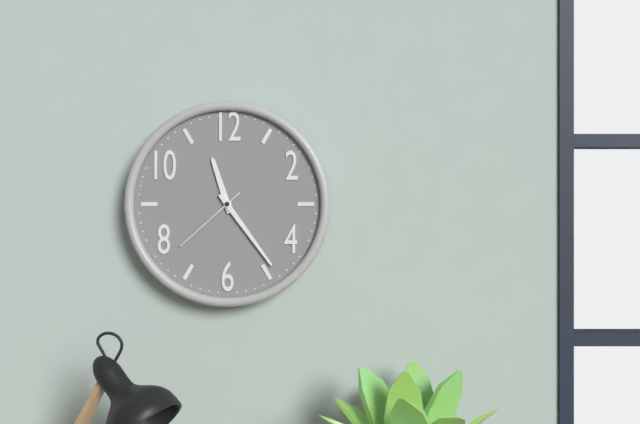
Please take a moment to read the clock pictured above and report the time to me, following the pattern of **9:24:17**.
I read **11:24:38**
